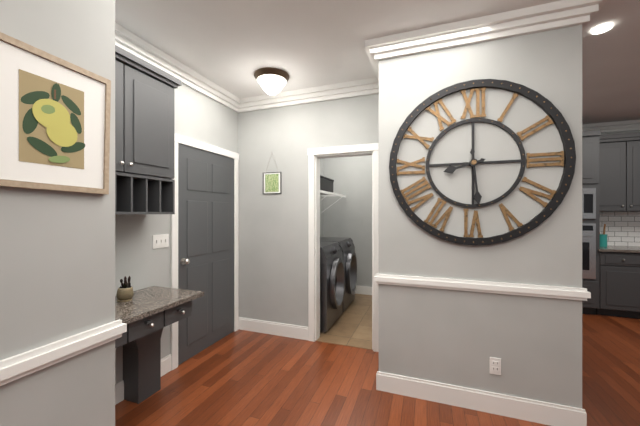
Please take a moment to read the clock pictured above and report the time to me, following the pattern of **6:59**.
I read **8:29**
